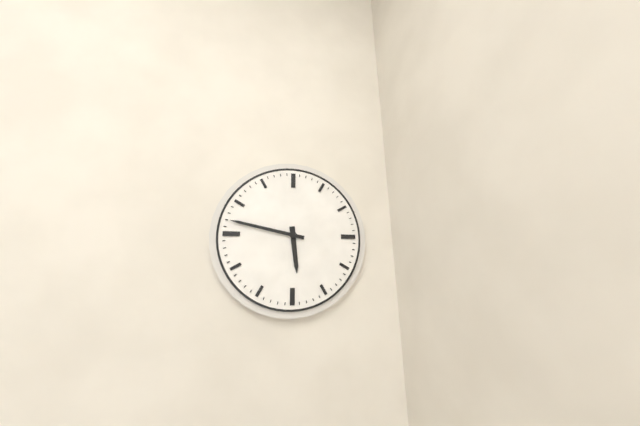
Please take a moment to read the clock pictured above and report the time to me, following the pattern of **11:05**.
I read **5:47**
